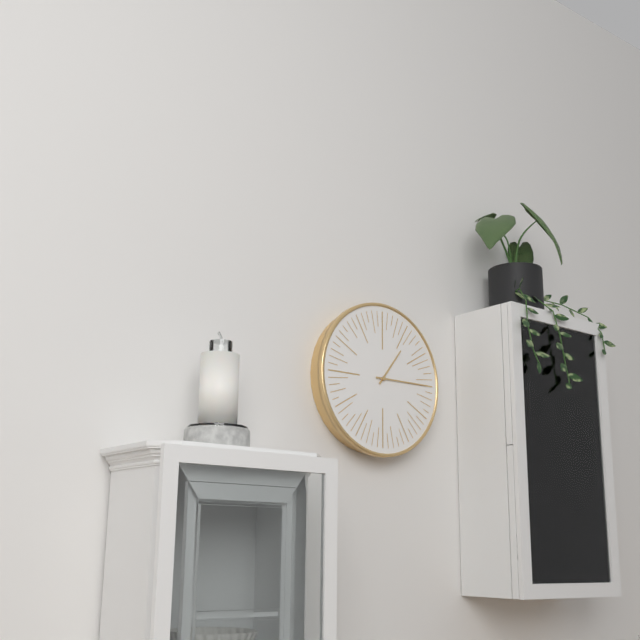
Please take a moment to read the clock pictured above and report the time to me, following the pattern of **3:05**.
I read **1:15**
